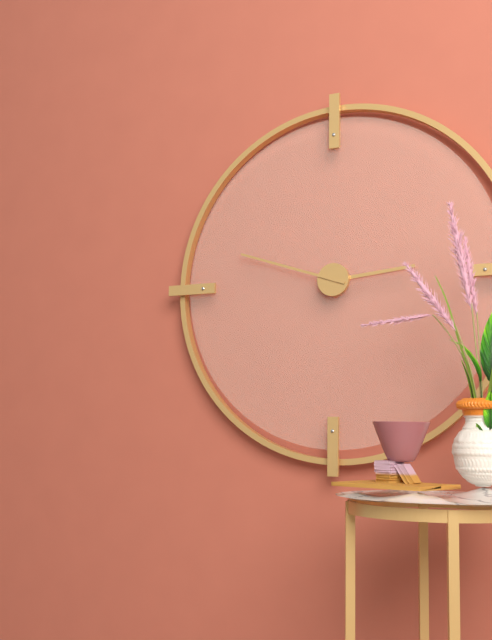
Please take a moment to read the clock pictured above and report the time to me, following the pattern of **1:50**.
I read **2:48**
